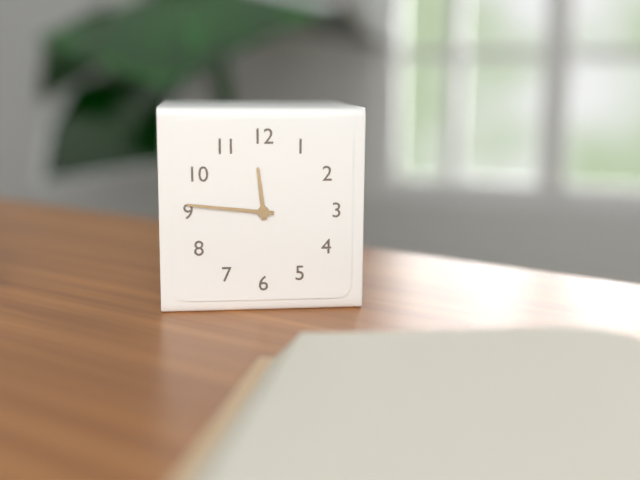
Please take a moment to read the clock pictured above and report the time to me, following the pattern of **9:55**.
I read **11:46**
